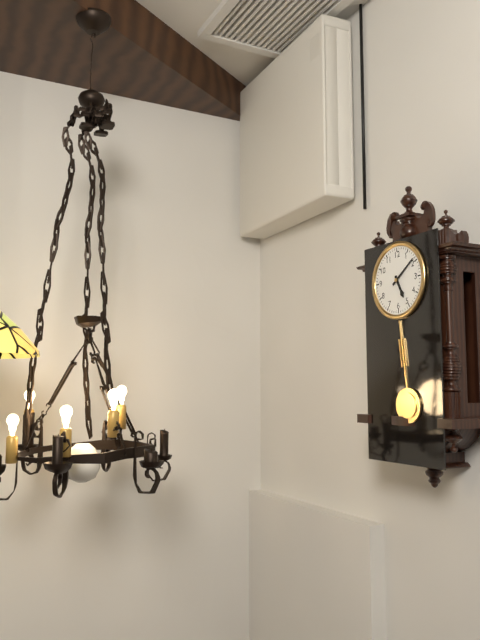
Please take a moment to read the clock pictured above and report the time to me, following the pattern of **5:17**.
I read **5:09**
